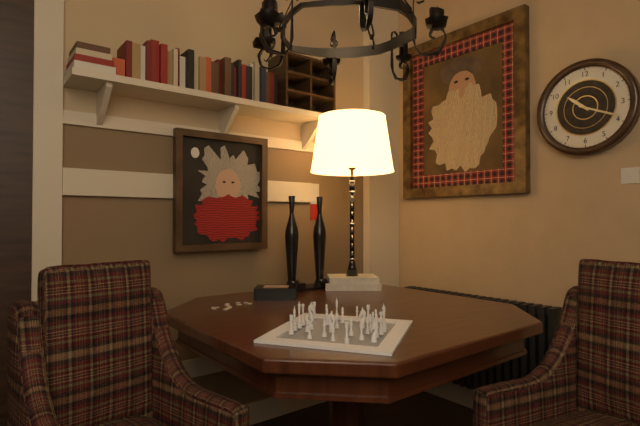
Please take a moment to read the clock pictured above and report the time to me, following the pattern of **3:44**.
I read **10:19**
